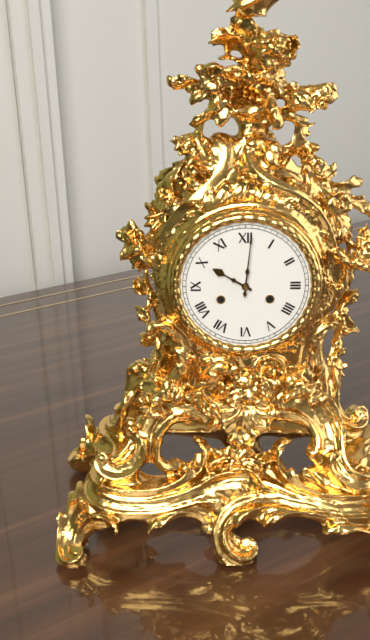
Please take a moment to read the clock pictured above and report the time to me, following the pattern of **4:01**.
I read **10:01**
